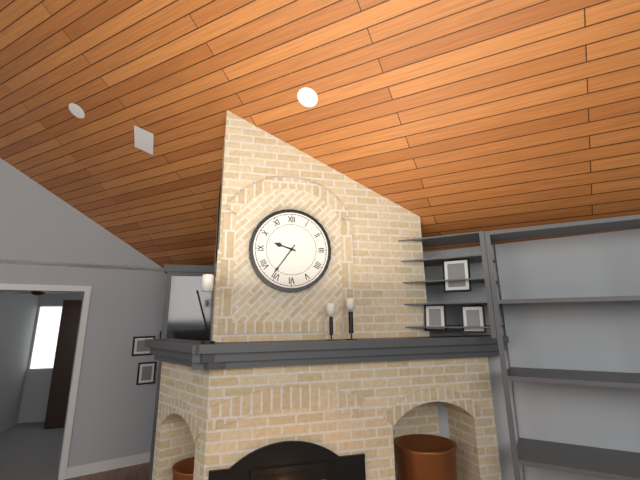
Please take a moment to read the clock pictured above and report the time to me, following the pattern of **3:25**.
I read **9:36**
